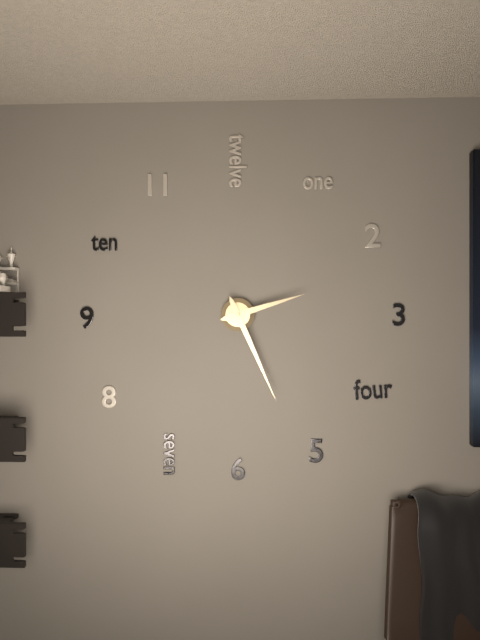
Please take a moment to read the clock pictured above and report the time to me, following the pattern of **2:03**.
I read **2:26**
